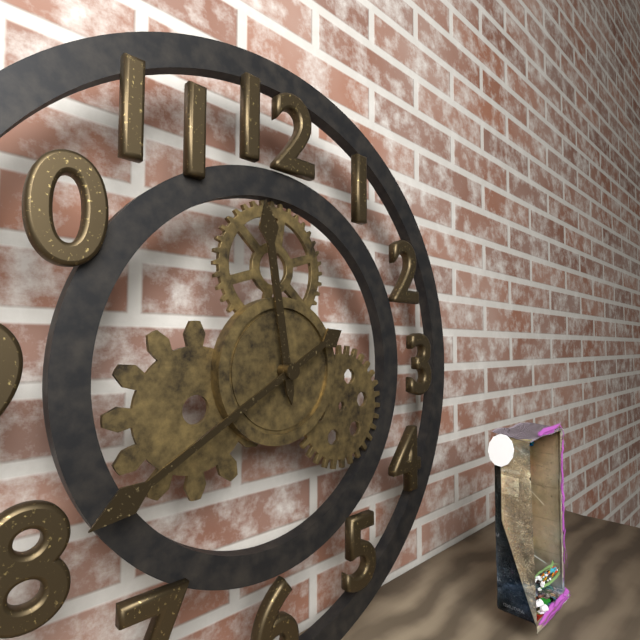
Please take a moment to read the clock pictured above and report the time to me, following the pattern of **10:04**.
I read **11:40**
